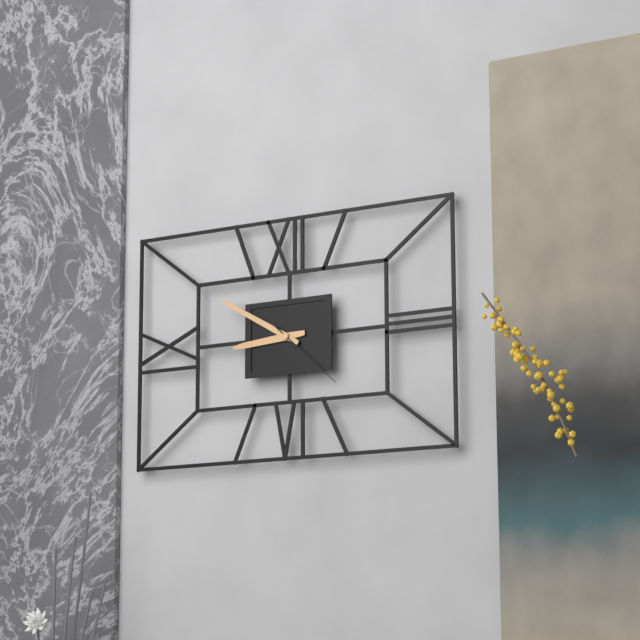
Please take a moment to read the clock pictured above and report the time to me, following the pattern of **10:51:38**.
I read **8:50:22**
